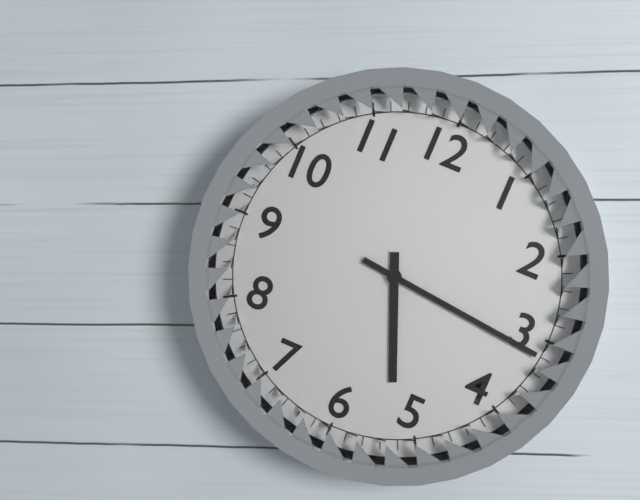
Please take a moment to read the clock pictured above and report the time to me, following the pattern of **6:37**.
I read **5:16**
